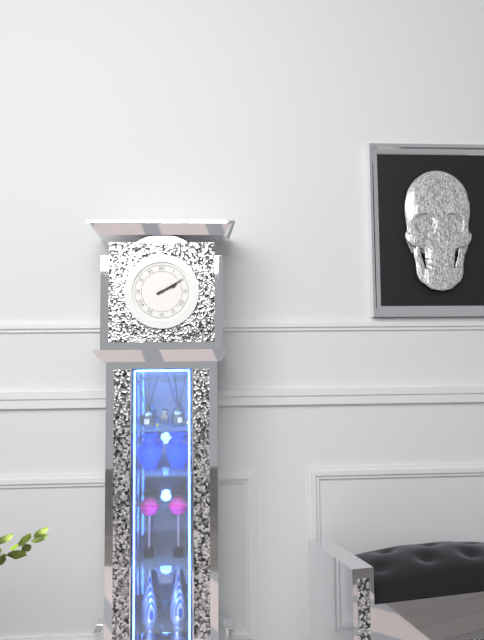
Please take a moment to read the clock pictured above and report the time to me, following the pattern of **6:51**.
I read **2:10**
